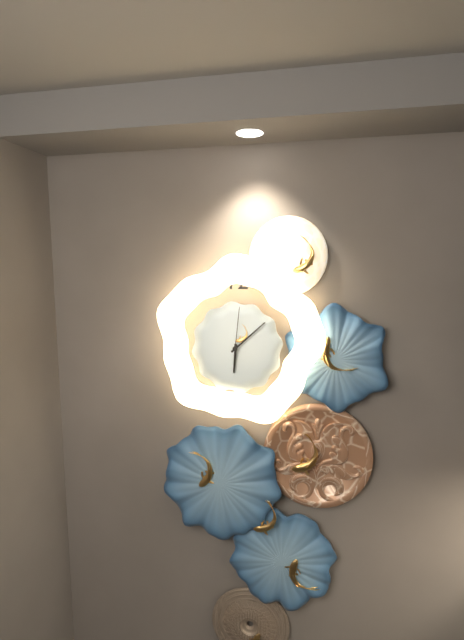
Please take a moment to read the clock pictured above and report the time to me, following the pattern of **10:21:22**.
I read **6:08:01**
